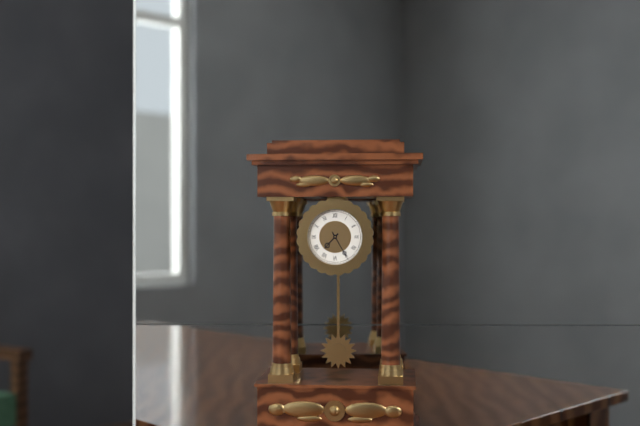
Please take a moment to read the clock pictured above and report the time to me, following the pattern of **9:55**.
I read **7:25**
